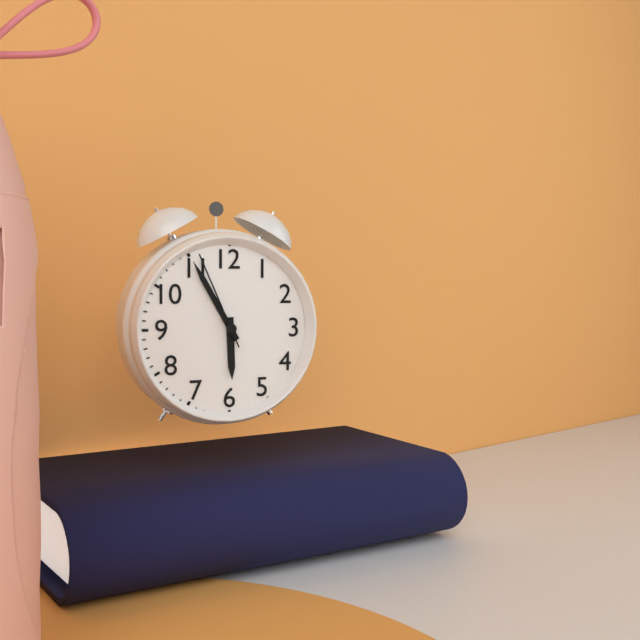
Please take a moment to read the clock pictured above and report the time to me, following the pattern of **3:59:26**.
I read **5:55:56**
